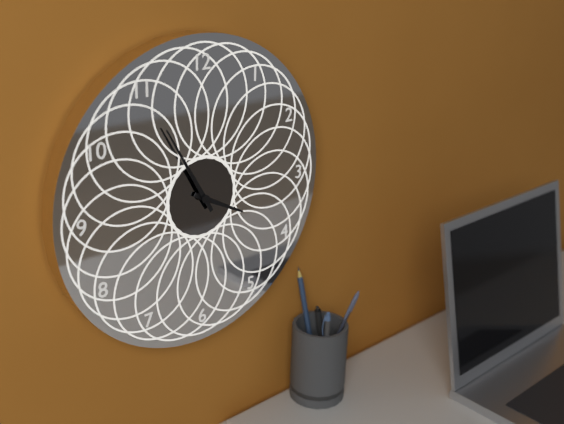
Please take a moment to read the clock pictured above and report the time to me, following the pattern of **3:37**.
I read **3:55**
